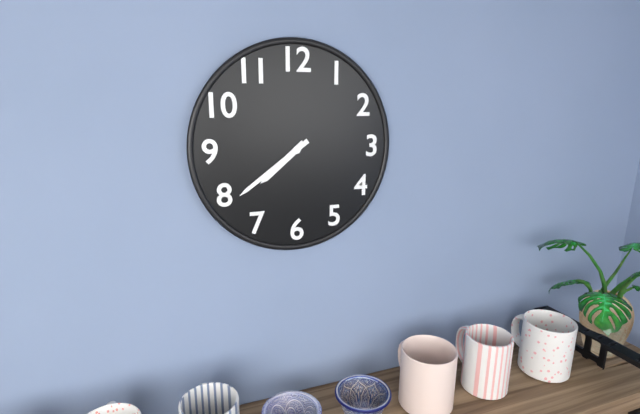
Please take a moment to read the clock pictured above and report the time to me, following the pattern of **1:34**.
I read **7:39**
